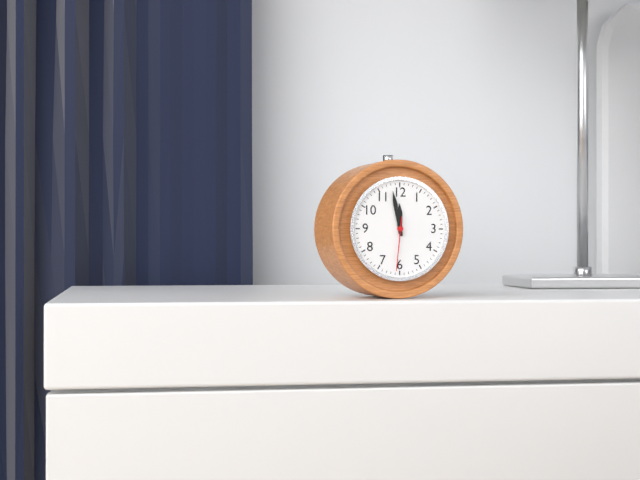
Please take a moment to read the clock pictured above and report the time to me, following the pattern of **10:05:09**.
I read **11:58:31**
